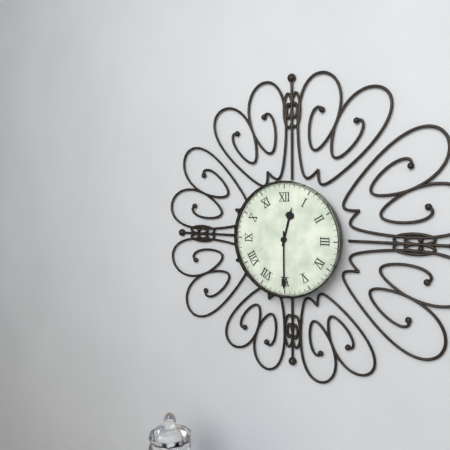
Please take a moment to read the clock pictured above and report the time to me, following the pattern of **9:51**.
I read **12:30**
